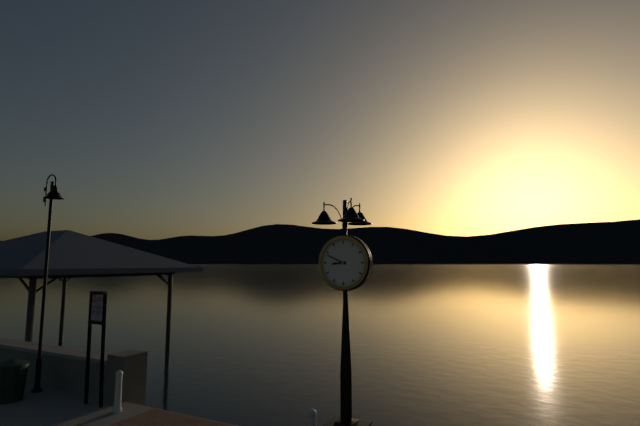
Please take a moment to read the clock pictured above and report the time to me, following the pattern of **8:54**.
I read **8:49**
